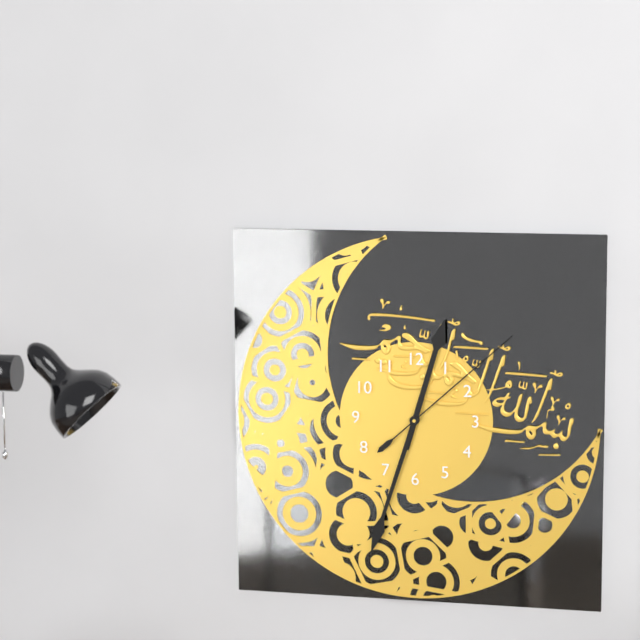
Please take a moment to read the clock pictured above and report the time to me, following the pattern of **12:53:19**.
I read **12:33:08**
